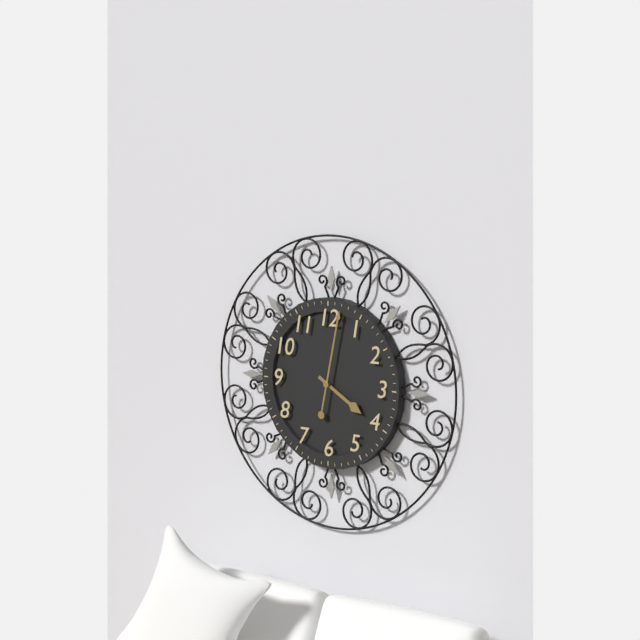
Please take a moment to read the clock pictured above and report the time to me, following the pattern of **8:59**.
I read **4:02**
